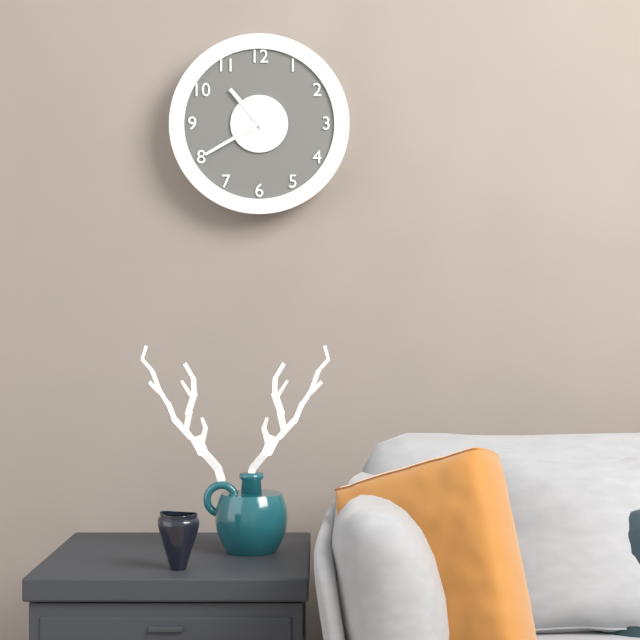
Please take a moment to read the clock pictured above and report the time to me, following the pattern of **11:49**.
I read **10:40**
